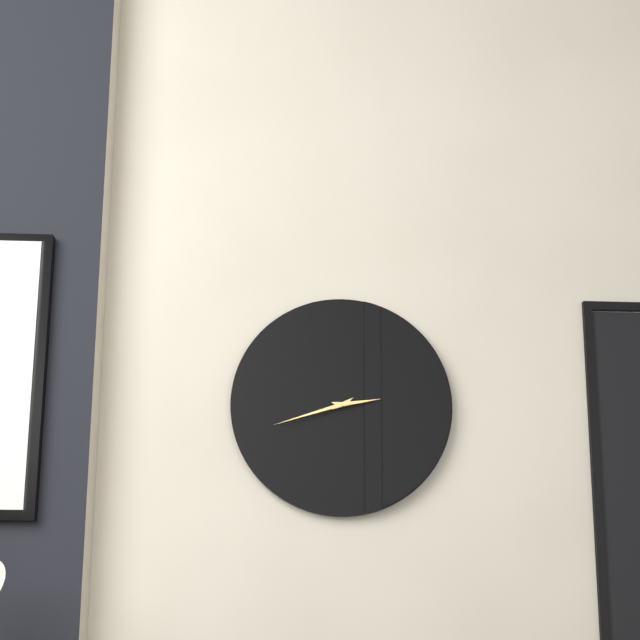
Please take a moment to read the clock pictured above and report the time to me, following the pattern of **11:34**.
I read **2:42**
